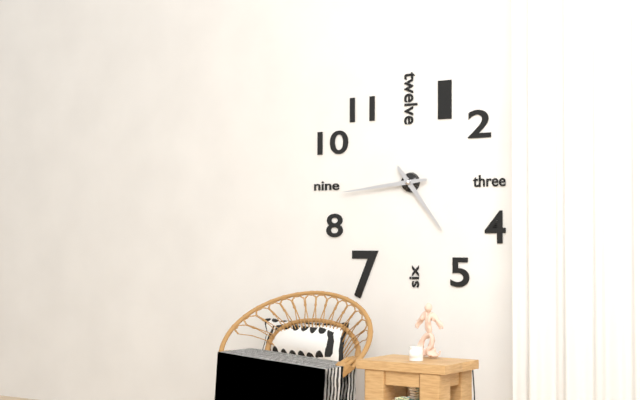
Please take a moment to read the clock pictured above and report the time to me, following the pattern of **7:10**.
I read **4:44**
